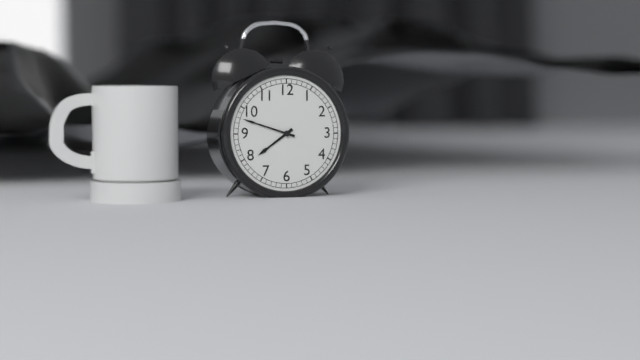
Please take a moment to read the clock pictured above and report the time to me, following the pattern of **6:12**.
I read **7:48**
